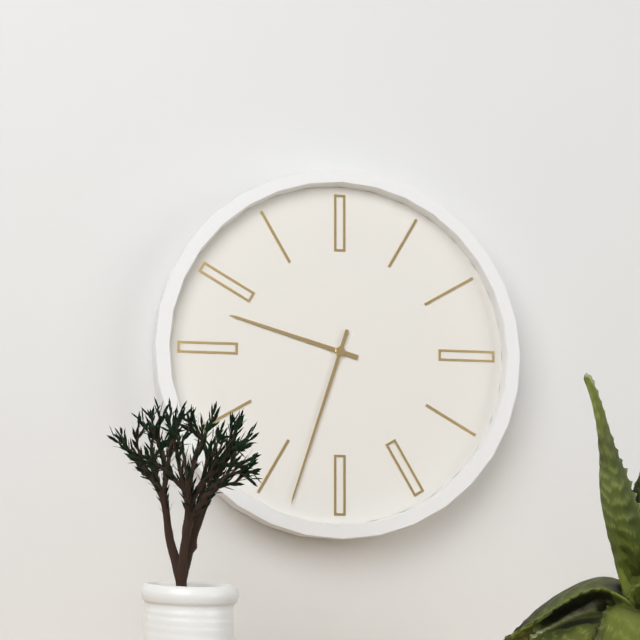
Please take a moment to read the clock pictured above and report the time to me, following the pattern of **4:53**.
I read **9:33**
